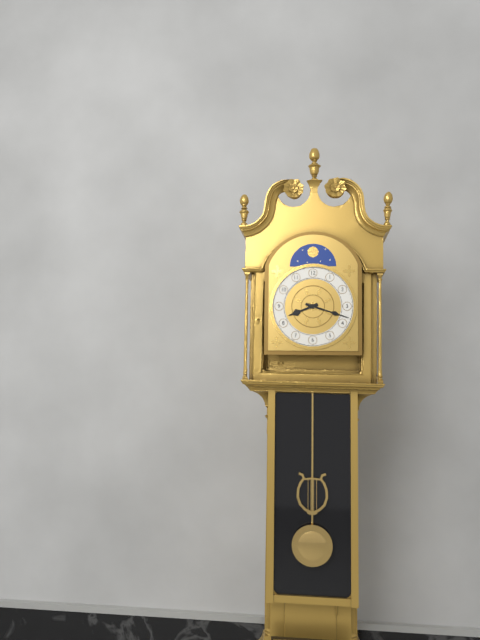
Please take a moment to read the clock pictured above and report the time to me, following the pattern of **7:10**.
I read **8:18**
